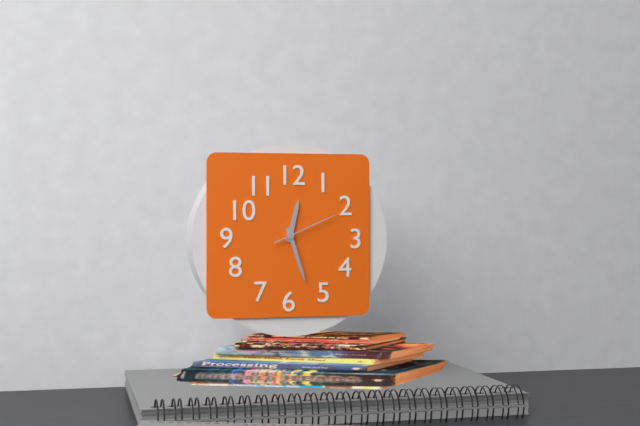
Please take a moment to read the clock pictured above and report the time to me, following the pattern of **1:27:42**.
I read **12:27:11**
